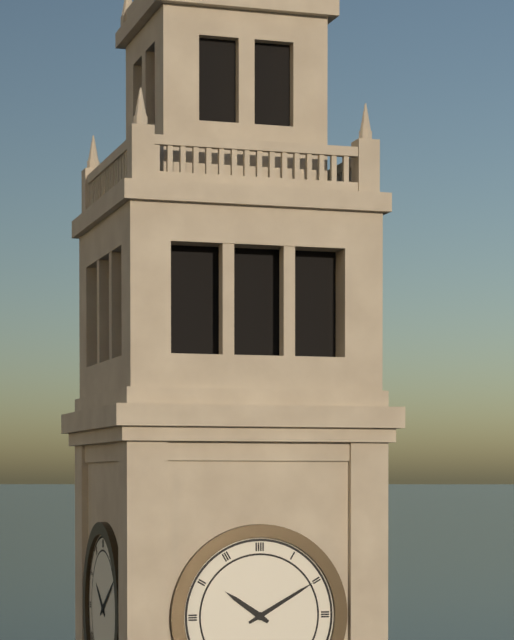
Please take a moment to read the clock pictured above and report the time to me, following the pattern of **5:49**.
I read **10:10**
